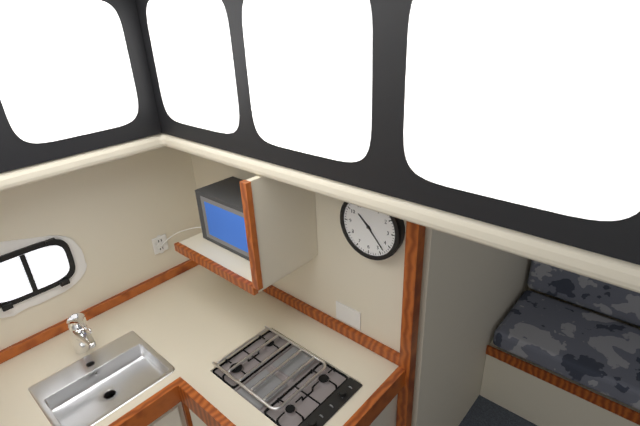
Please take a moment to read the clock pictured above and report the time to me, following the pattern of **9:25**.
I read **10:23**
